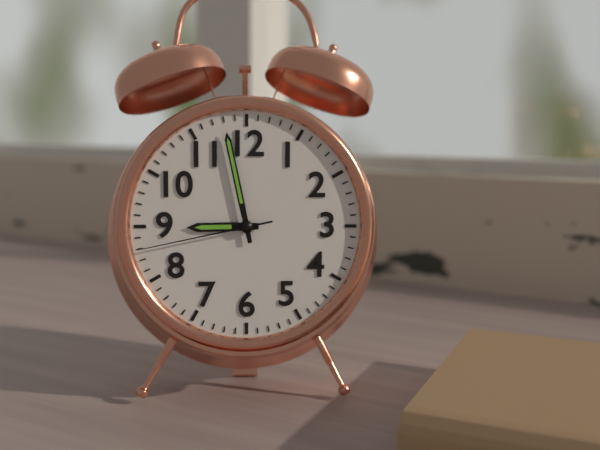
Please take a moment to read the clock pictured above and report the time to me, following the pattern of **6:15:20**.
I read **8:58:43**
